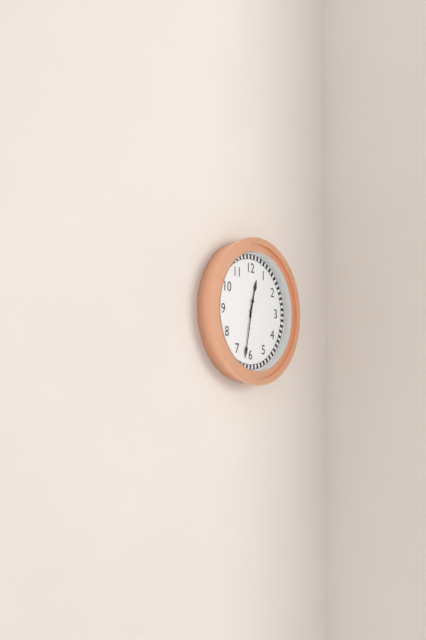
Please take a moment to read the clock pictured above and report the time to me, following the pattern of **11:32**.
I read **12:32**
